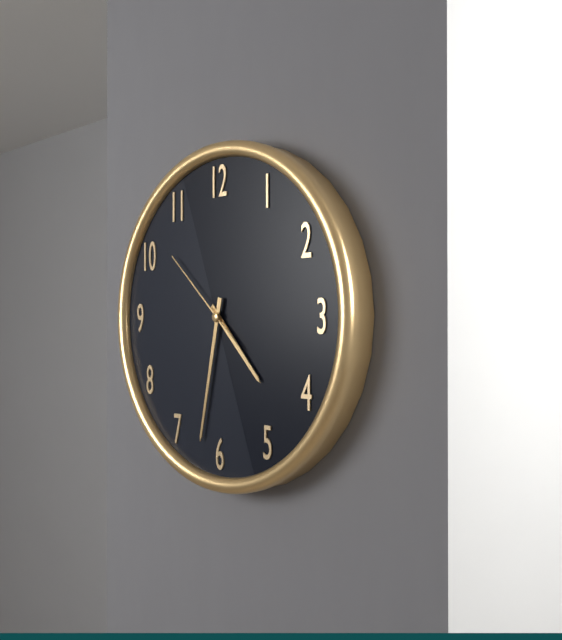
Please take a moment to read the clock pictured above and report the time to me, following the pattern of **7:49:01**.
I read **4:32:52**
